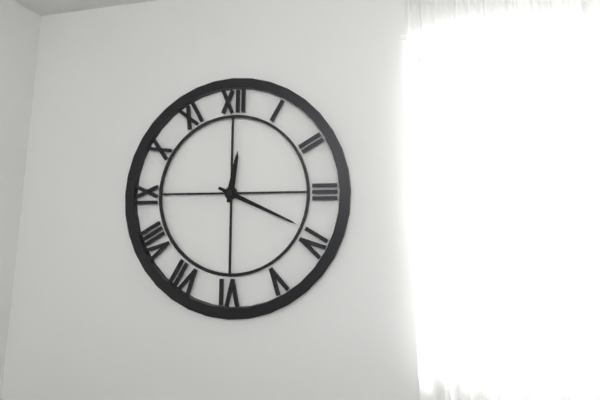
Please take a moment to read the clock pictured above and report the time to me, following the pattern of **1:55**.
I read **12:19**
